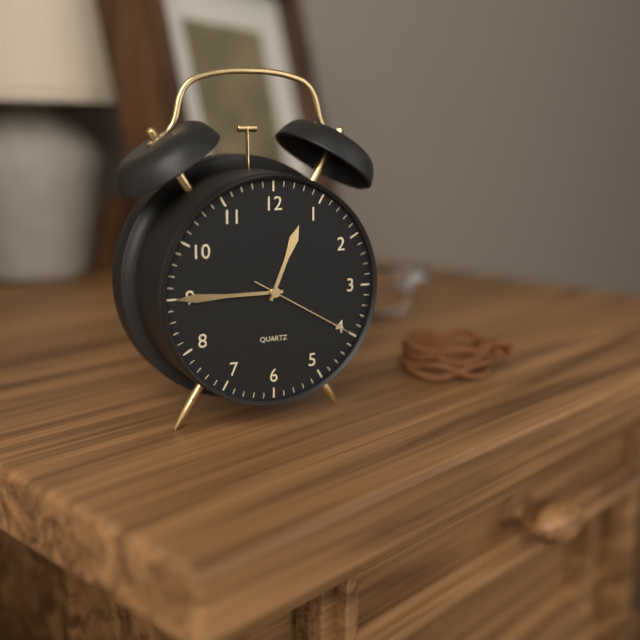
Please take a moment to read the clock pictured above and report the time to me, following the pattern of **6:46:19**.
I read **12:45:20**
